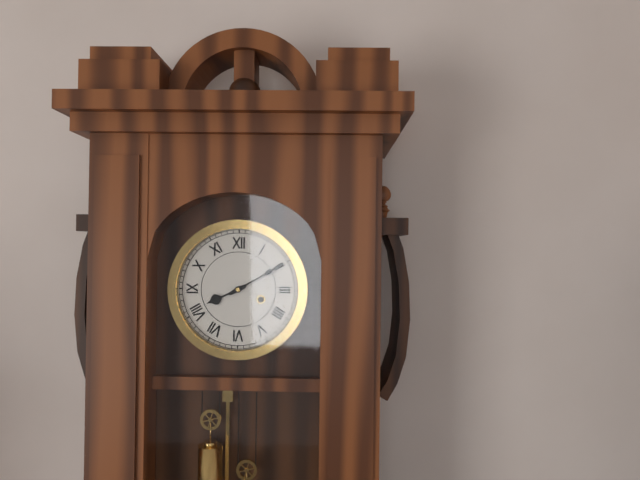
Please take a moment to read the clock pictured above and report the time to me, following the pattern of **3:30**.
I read **8:10**
